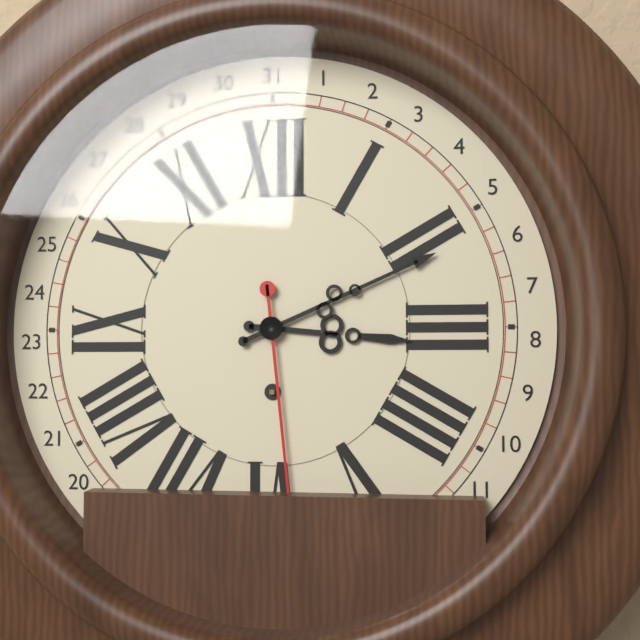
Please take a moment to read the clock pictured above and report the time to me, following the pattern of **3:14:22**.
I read **3:11:29**
